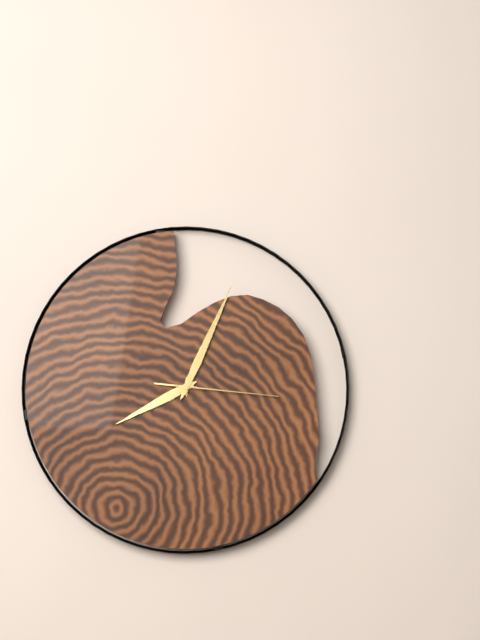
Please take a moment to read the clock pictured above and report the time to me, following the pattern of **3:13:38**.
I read **8:04:16**
